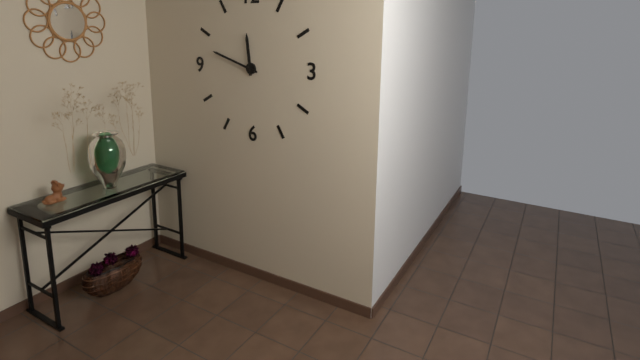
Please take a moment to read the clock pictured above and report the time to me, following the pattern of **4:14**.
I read **11:48**
